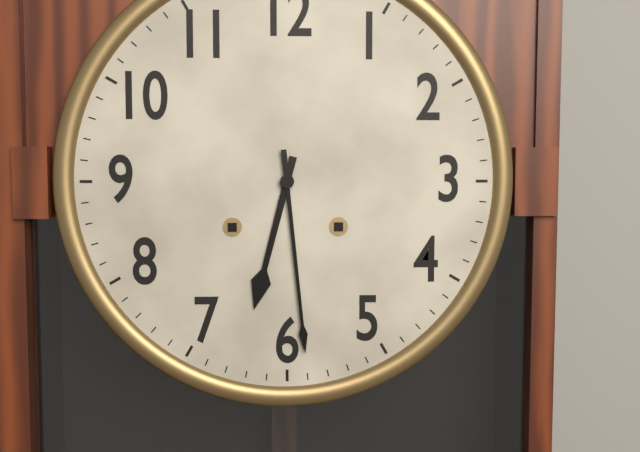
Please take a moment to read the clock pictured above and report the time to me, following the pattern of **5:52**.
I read **6:29**
